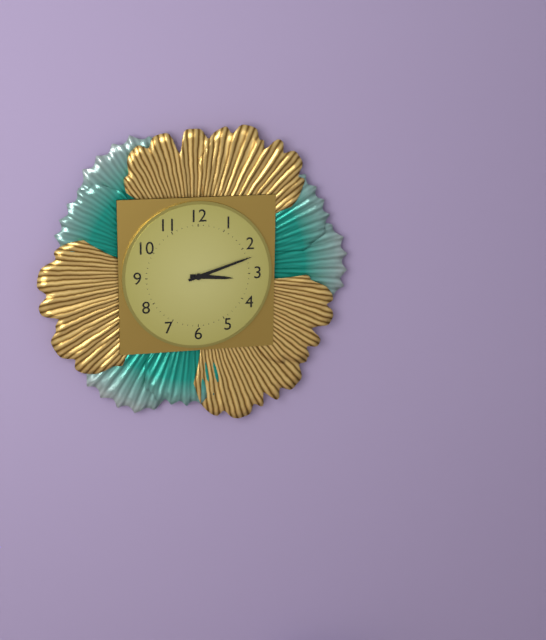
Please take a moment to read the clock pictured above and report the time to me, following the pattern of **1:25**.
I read **3:12**
